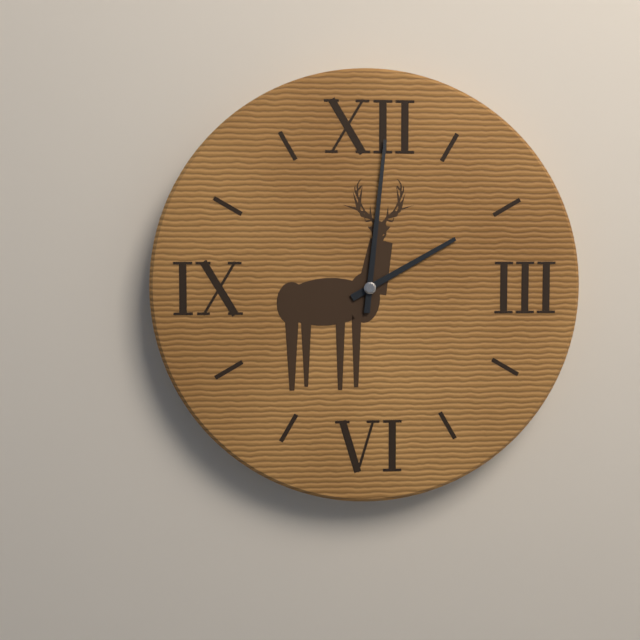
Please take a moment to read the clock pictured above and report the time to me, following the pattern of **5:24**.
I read **2:01**
